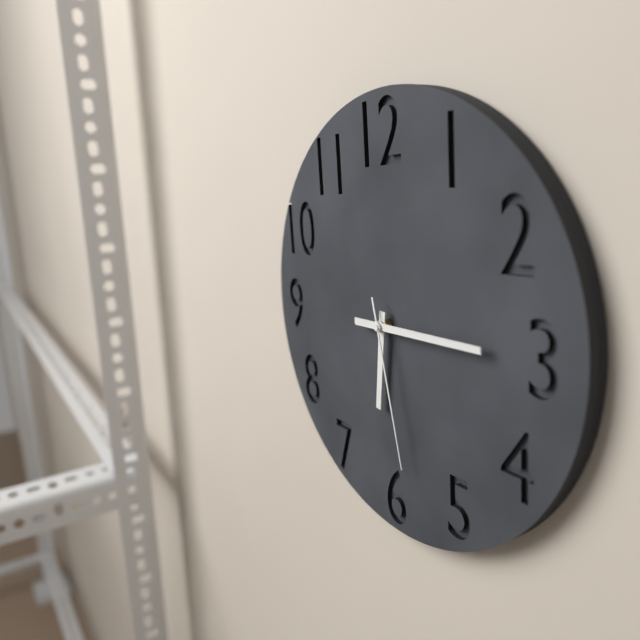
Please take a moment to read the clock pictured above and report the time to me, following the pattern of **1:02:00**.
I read **6:15:28**
